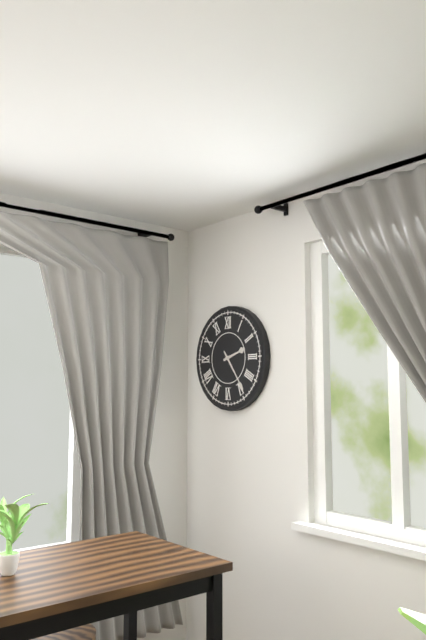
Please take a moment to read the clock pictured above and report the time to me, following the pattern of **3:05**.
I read **2:24**
